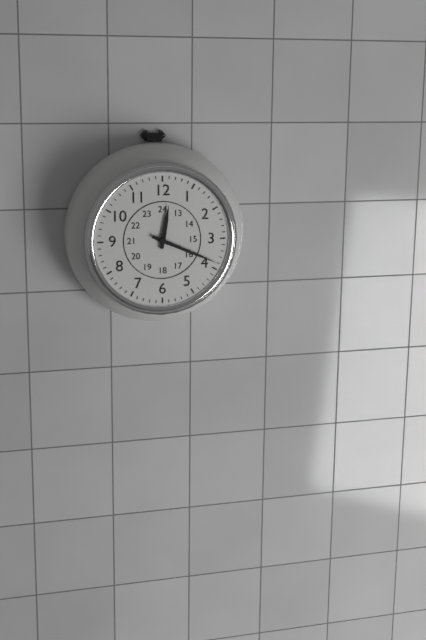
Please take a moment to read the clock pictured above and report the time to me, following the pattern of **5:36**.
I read **12:19**
